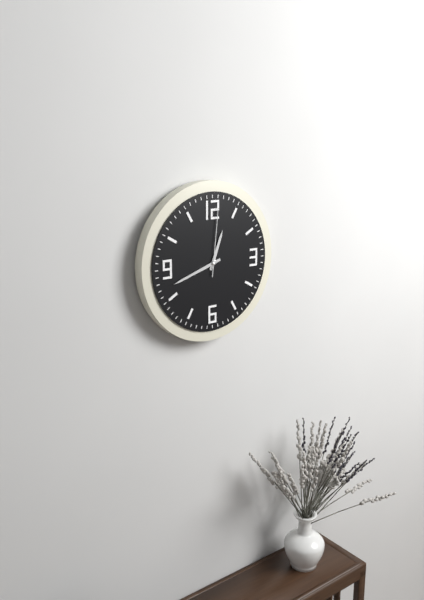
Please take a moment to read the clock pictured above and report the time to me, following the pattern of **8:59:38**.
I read **12:42:01**
